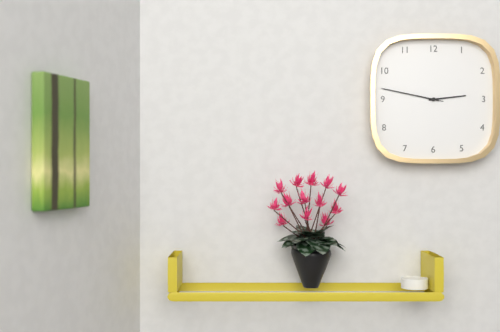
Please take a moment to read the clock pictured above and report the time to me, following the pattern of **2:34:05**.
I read **2:47:47**
